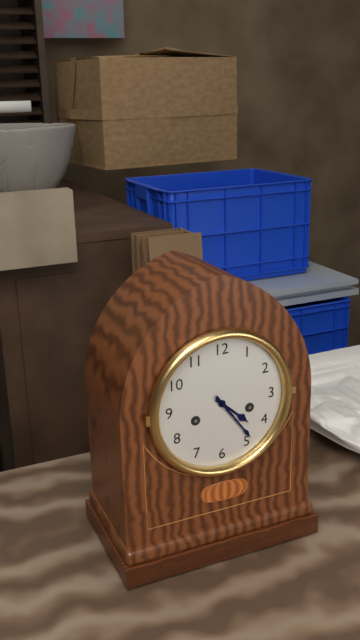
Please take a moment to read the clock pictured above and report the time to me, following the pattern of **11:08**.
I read **4:24**
